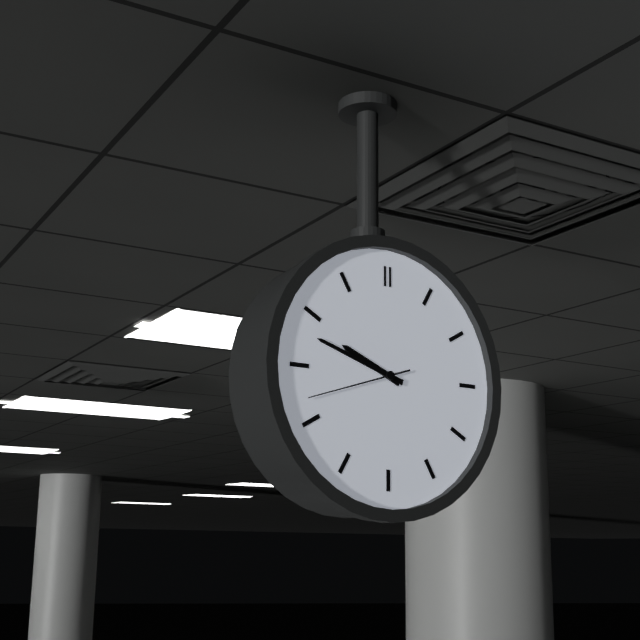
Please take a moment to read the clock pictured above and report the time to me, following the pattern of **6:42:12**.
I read **9:48:42**
